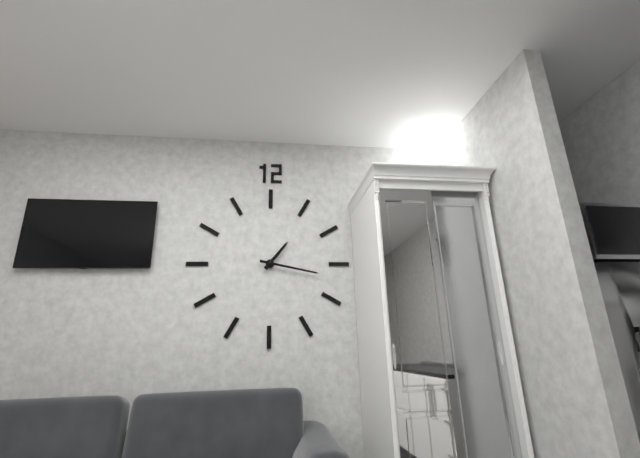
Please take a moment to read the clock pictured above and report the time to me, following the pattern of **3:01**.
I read **1:17**
